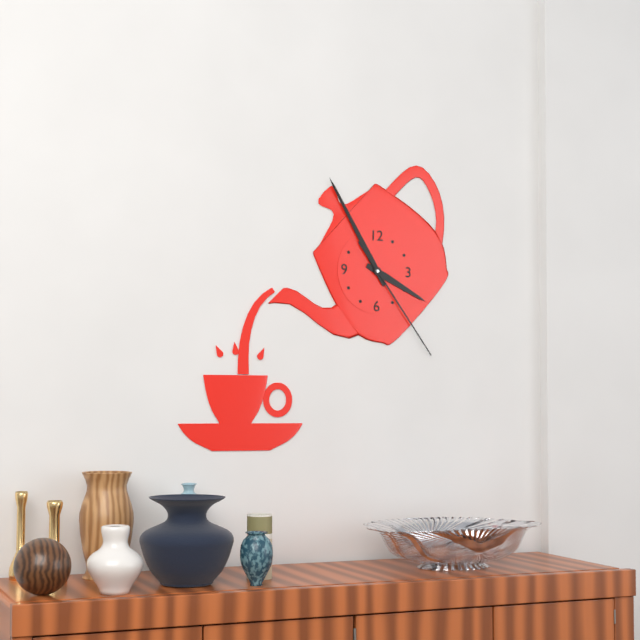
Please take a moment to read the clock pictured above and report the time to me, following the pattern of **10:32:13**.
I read **3:55:24**
